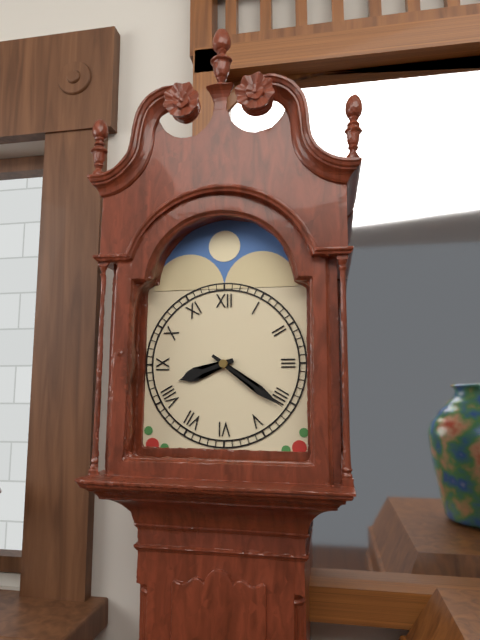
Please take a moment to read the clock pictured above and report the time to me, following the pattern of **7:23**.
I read **8:21**
